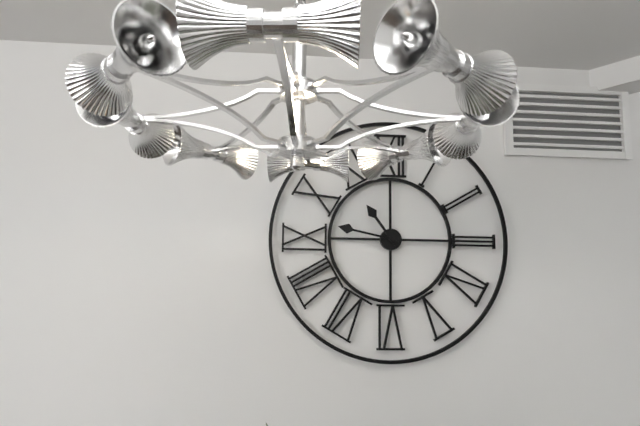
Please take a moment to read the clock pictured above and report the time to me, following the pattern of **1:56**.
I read **10:47**
